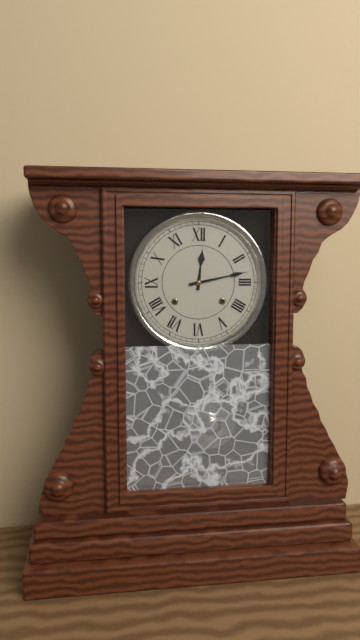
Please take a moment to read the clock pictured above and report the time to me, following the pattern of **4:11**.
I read **12:13**
